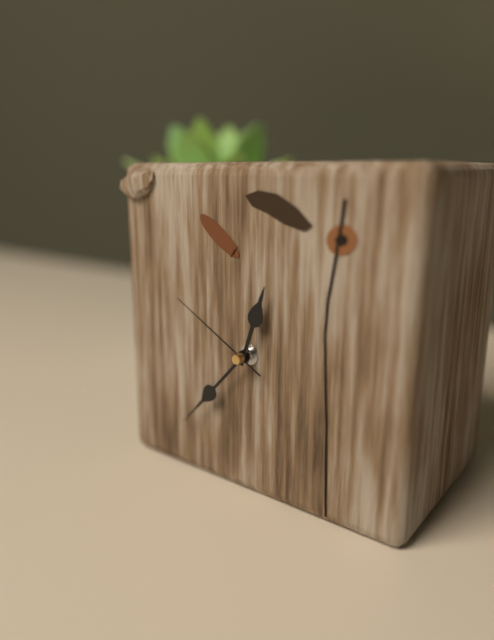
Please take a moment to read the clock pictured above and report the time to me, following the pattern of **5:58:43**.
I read **12:37:50**
